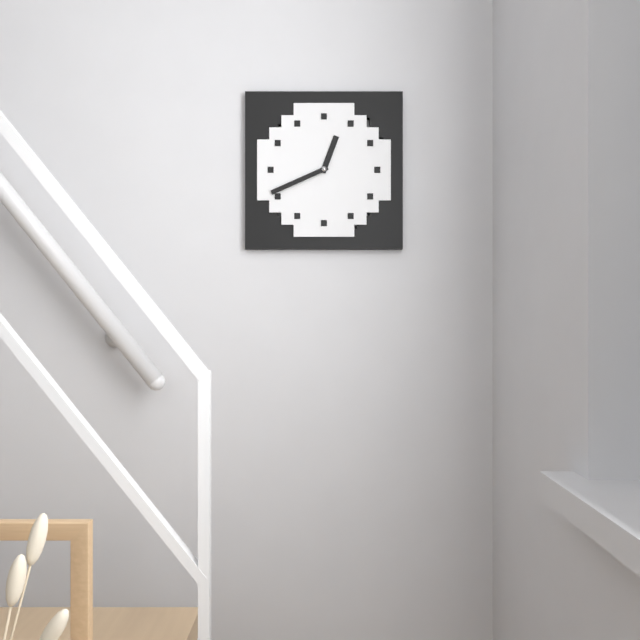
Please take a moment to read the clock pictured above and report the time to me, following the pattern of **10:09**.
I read **12:41**
